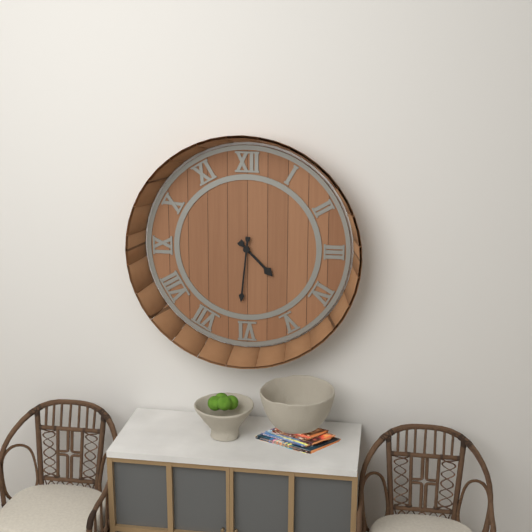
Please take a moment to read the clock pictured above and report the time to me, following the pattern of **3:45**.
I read **4:31**
